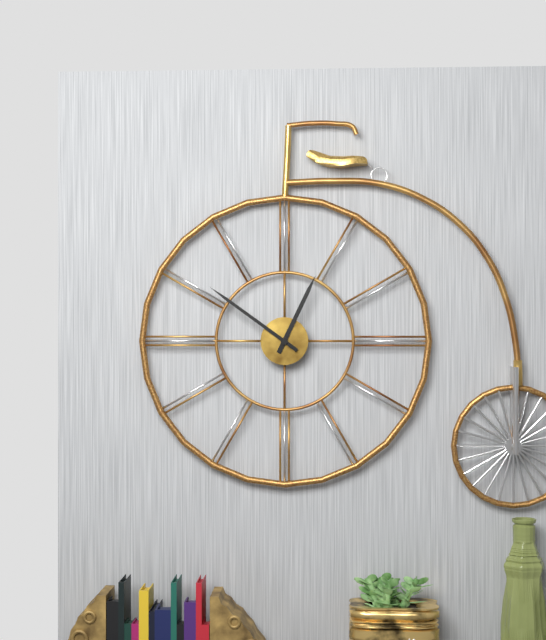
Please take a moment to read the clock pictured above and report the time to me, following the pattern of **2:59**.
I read **12:51**
